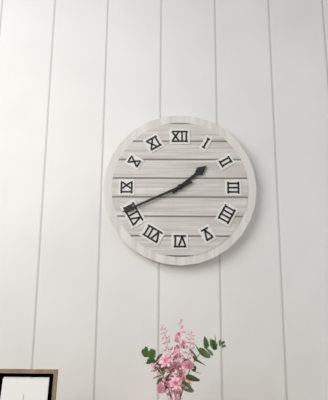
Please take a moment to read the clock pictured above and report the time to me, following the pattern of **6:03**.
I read **1:41**
